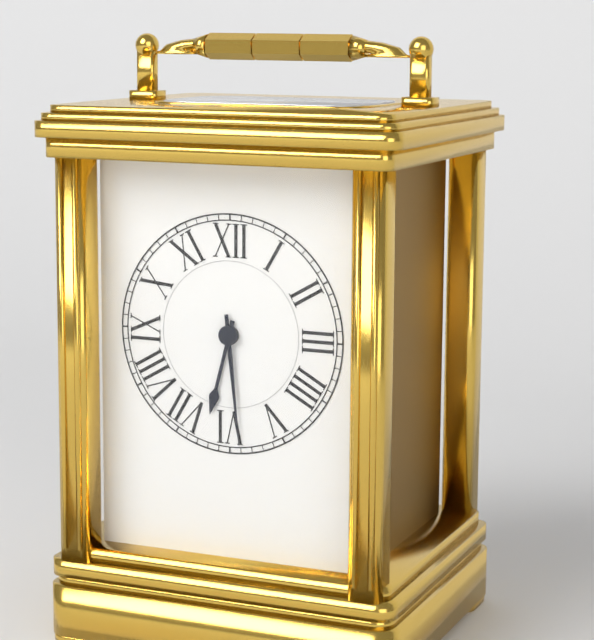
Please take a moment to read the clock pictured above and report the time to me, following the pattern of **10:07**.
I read **6:29**
